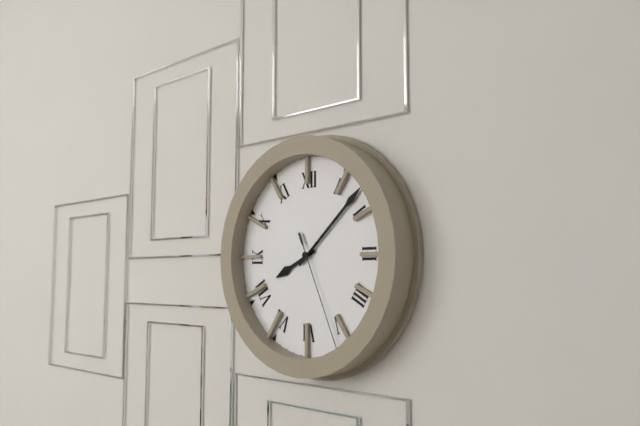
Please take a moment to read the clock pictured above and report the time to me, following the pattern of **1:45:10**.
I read **8:08:26**
